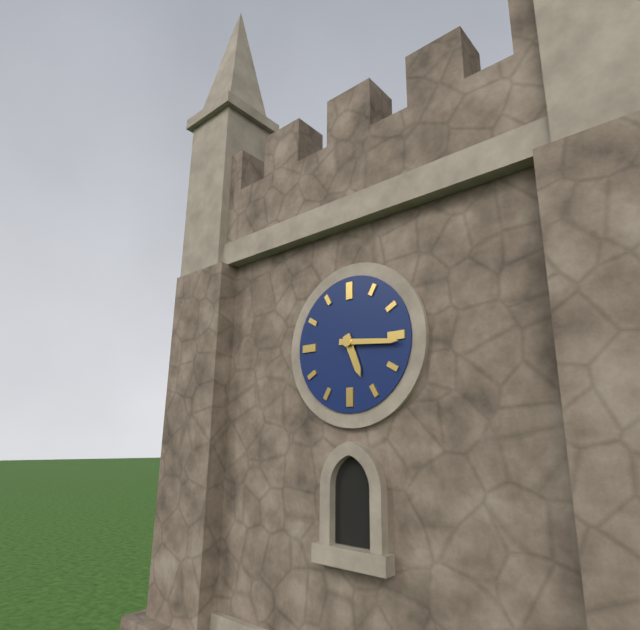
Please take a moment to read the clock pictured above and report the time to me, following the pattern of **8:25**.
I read **5:16**
